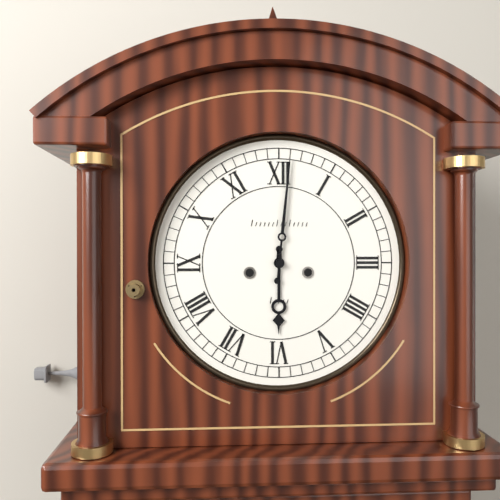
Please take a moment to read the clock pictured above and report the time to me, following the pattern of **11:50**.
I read **6:01**
